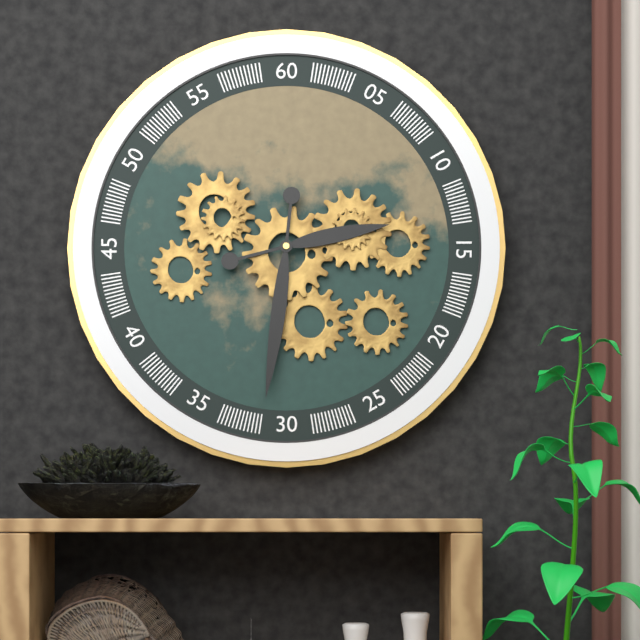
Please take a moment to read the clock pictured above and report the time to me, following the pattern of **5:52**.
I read **2:31**
